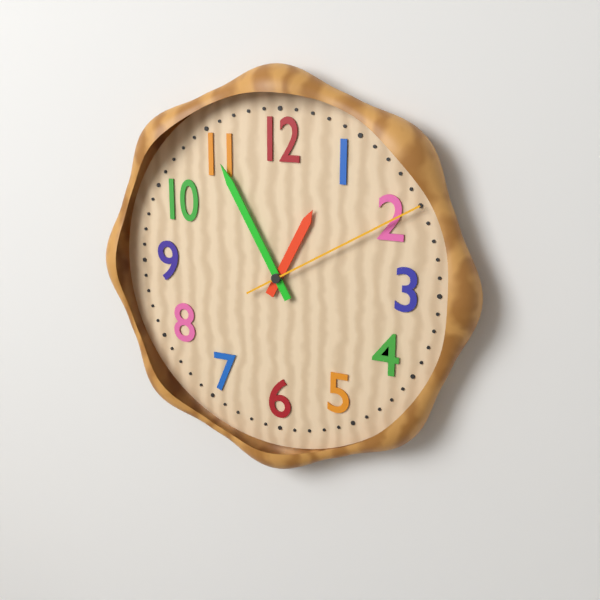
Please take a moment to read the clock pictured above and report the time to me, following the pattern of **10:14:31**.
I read **12:55:10**
